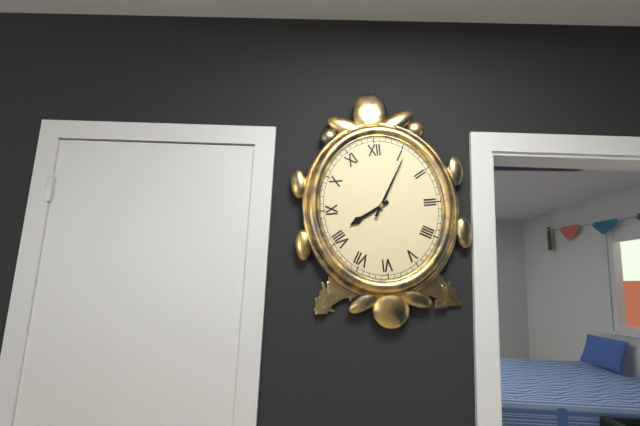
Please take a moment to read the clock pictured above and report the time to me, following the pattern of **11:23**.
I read **8:05**
